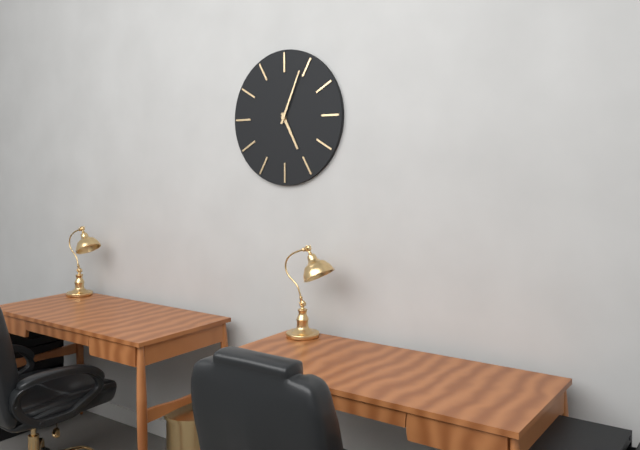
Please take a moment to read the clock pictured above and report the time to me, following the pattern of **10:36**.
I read **5:04**
